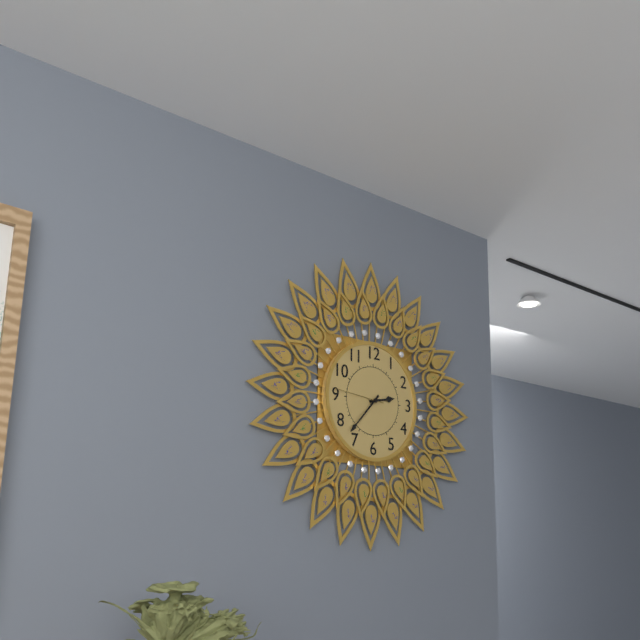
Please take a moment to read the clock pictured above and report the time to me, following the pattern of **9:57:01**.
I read **2:37:46**
